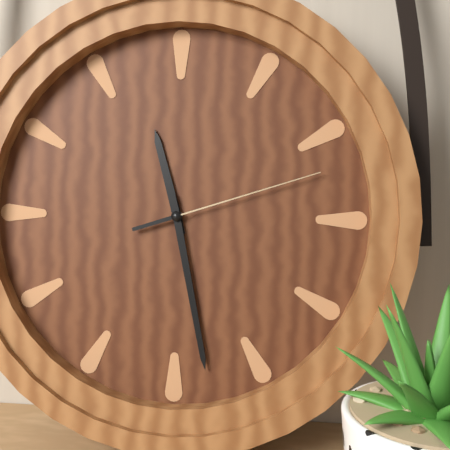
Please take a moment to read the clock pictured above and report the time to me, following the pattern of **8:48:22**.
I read **11:28:12**
